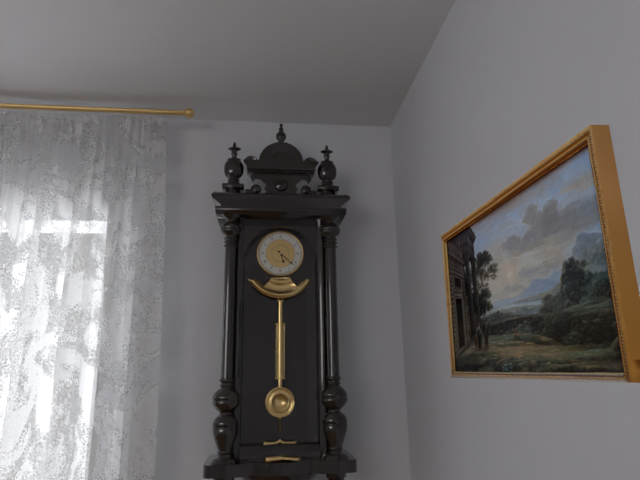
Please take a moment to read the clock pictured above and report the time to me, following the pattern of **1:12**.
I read **5:22**
